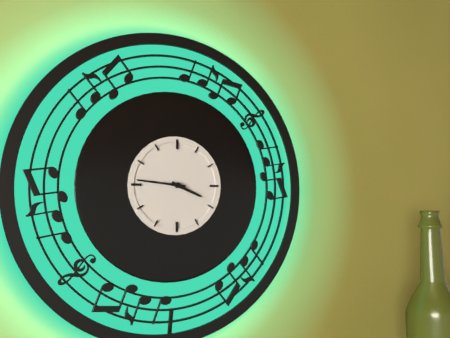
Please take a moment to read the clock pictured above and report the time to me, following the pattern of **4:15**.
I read **3:46**
